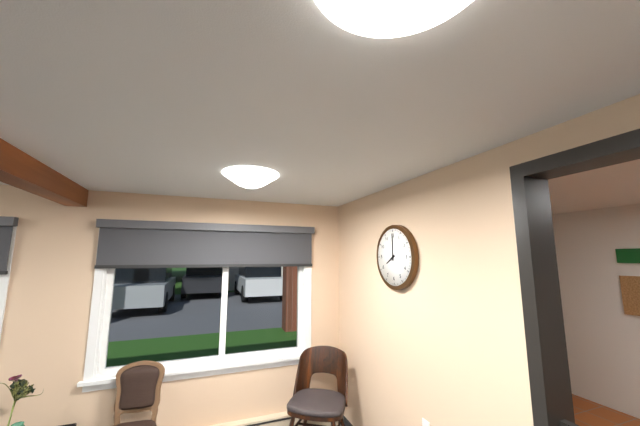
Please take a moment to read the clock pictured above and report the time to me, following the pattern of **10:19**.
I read **8:00**
